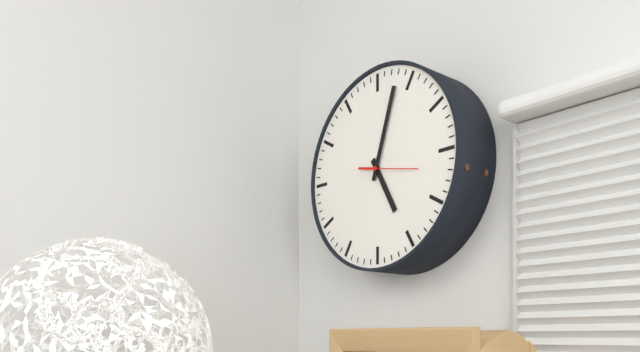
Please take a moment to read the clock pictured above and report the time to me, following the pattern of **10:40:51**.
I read **5:03:17**
